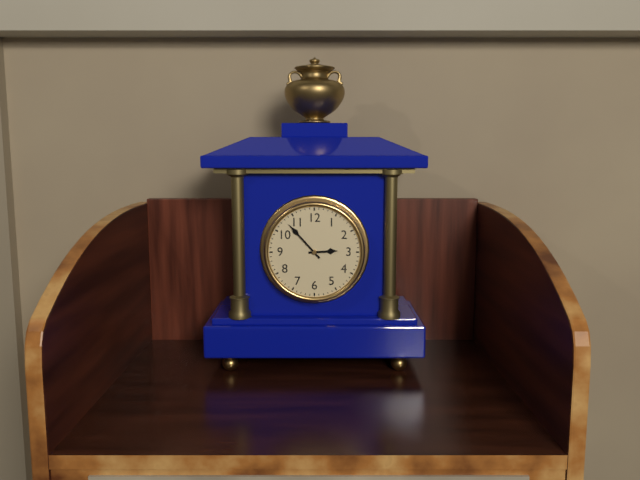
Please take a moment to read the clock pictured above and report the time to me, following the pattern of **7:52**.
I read **2:53**
